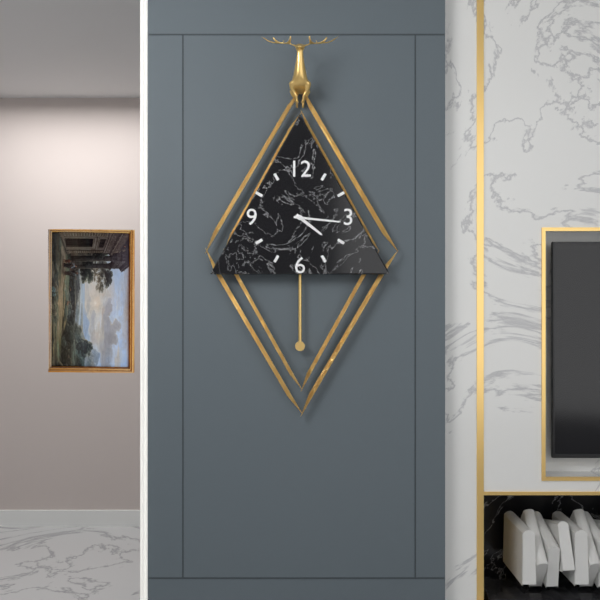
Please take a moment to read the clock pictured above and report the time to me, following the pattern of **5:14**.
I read **4:16**
